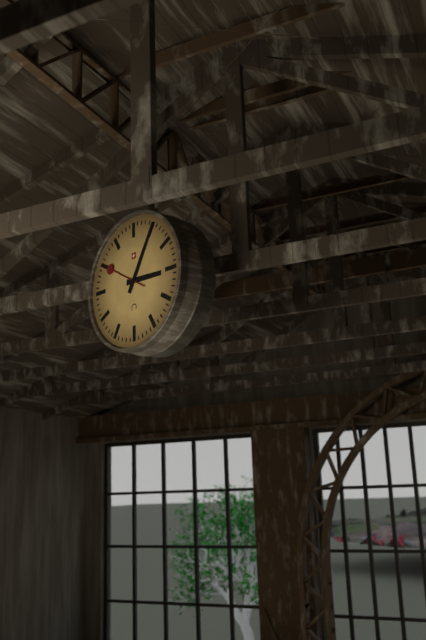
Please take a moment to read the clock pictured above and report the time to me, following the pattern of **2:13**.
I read **3:05**
